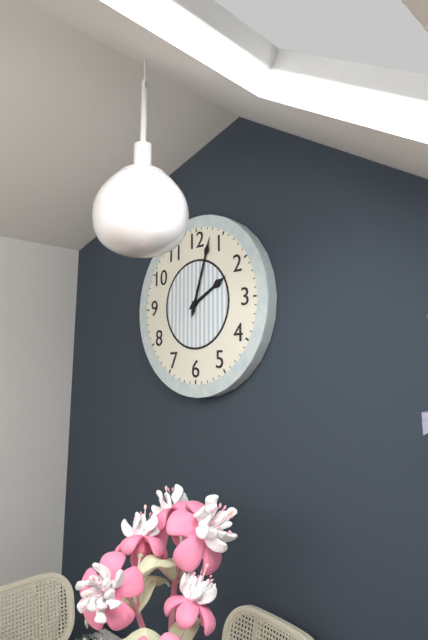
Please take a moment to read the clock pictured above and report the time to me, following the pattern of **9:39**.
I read **2:03**
